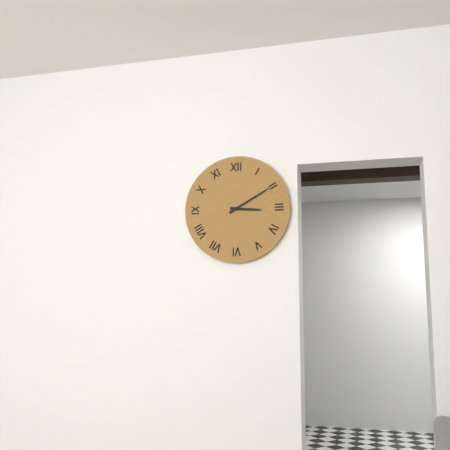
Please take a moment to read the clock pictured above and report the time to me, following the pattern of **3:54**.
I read **3:10**
